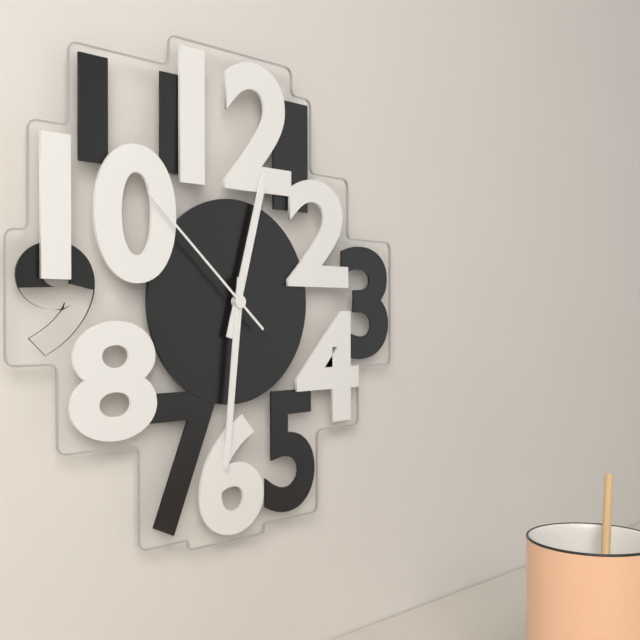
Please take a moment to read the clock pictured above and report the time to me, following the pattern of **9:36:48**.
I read **12:31:52**
